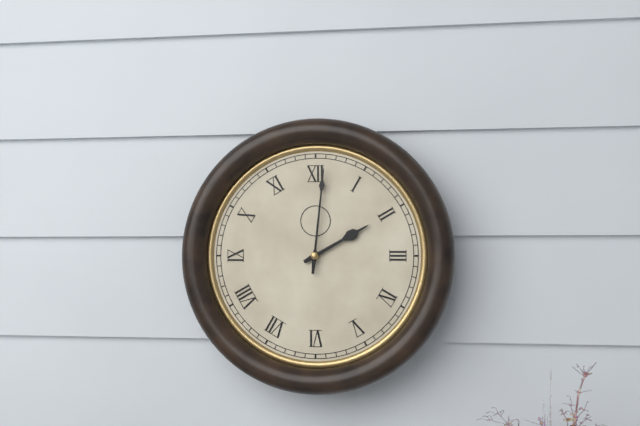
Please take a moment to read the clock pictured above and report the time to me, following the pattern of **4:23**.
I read **2:01**
